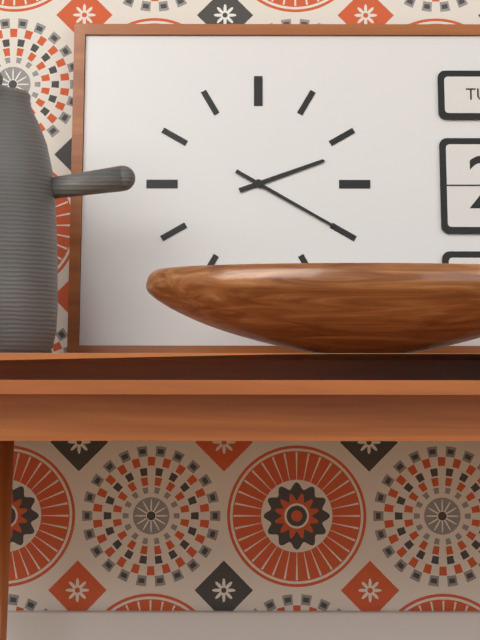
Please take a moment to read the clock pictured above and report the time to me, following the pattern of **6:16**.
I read **2:20**
